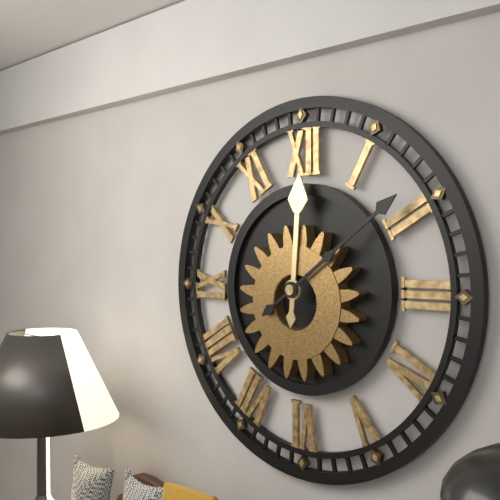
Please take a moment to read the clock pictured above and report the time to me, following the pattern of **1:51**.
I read **12:09**
